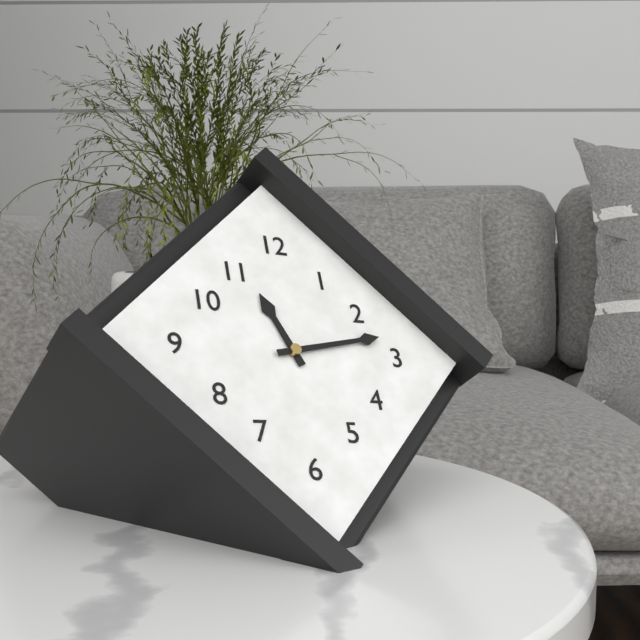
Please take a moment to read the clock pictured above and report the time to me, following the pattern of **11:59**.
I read **11:13**
